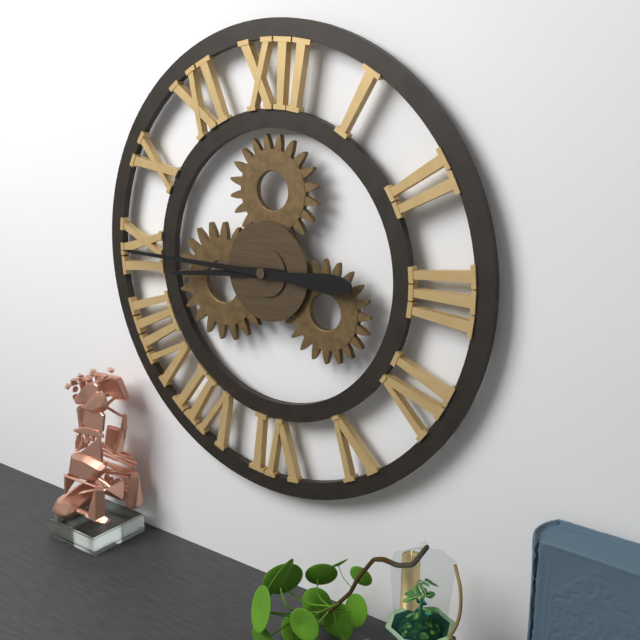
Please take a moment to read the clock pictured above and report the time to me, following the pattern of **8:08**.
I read **8:45**
